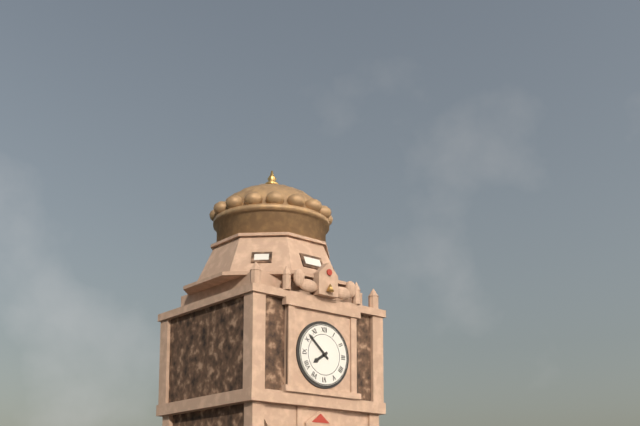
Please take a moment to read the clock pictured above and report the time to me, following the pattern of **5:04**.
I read **7:52**
